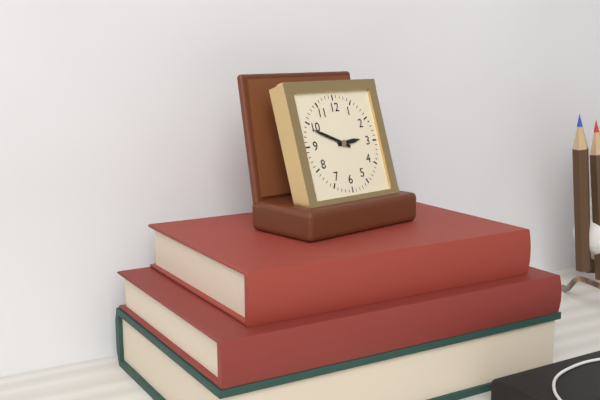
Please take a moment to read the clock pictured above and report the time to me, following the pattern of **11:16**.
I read **2:49**
